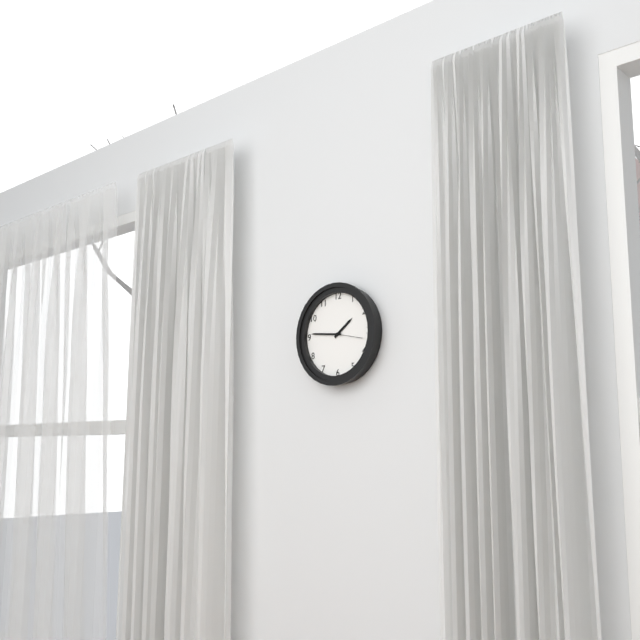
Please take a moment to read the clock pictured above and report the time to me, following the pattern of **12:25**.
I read **1:46**
